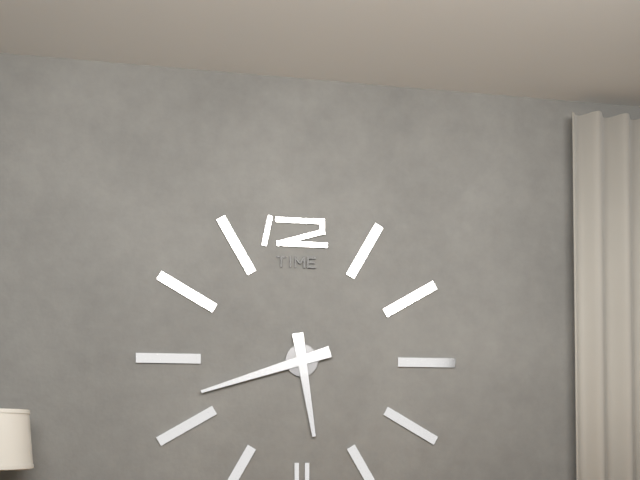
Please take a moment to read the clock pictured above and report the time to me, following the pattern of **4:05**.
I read **5:42**
